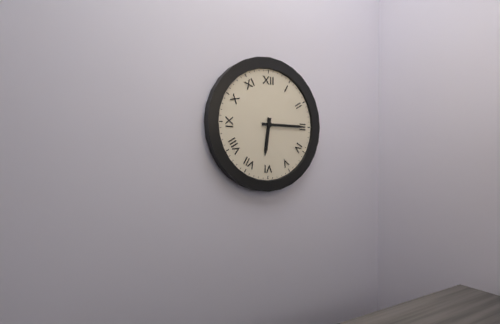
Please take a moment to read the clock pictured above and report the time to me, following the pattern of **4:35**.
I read **6:15**
